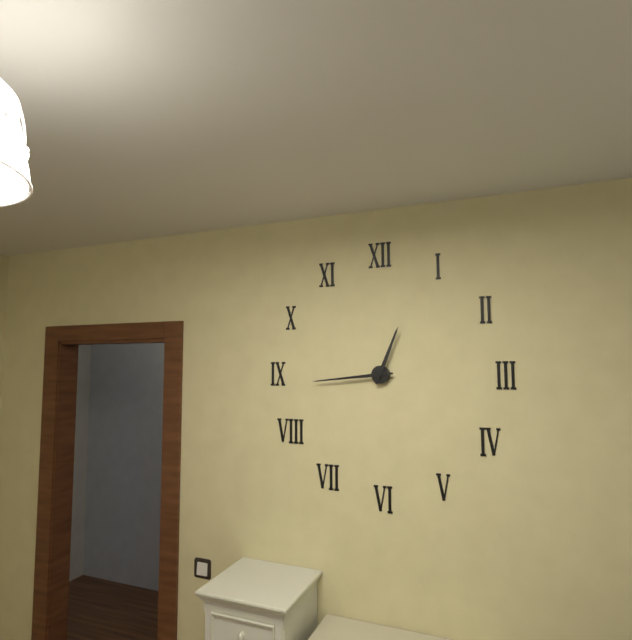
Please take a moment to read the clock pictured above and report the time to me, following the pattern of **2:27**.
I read **12:44**
